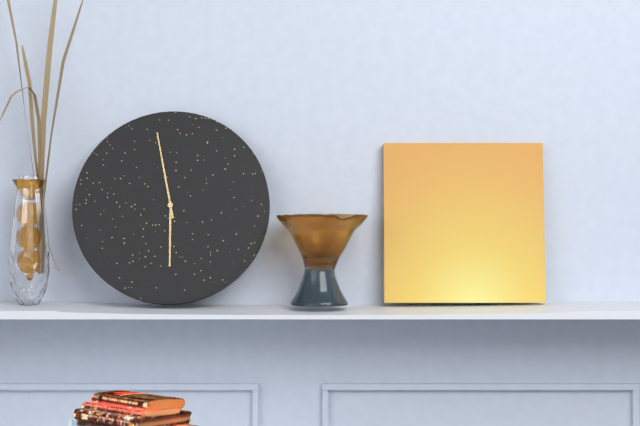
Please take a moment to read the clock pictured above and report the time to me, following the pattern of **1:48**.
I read **5:58**
